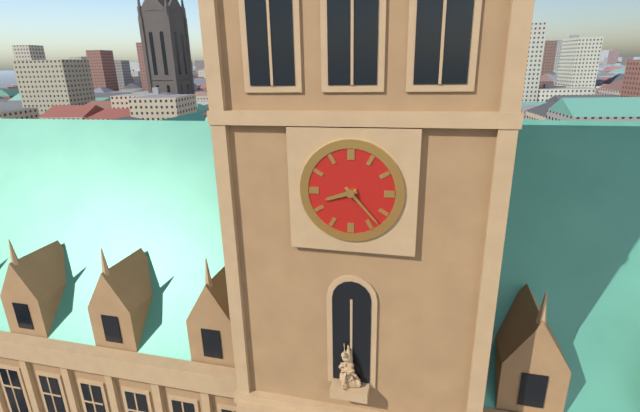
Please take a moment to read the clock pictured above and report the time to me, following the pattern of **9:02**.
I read **8:23**
